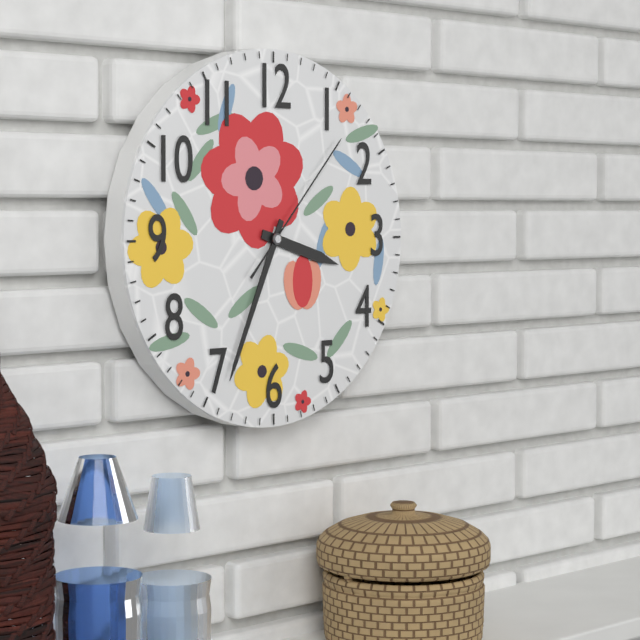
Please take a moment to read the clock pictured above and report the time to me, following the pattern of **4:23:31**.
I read **3:34:07**
